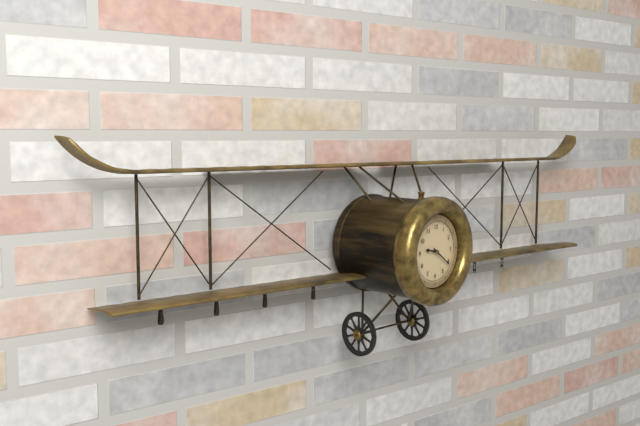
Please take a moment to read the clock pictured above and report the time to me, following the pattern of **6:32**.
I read **9:21**
